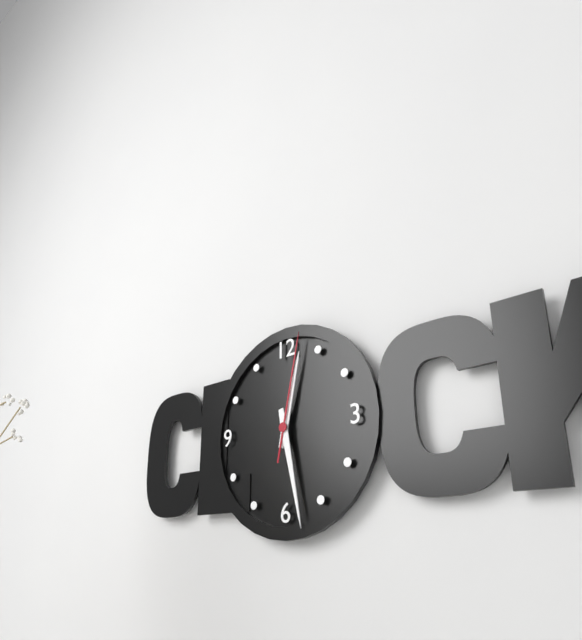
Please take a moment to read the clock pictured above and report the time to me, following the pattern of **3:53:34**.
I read **12:28:02**
